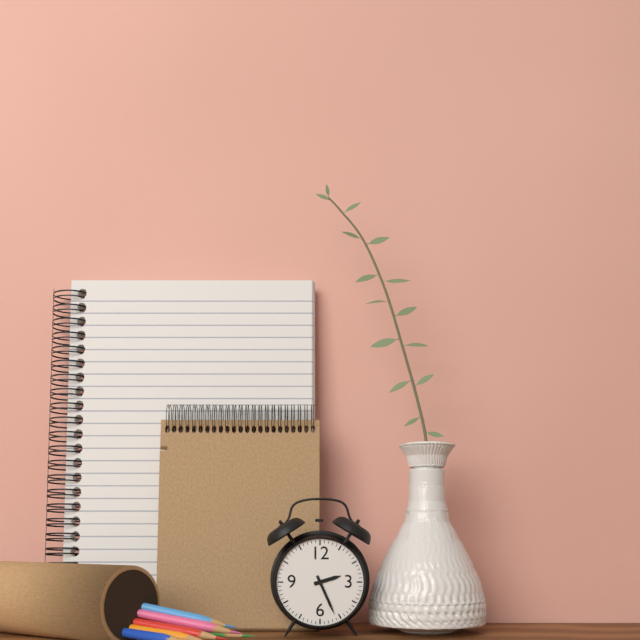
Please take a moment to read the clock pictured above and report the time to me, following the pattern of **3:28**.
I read **2:26**
